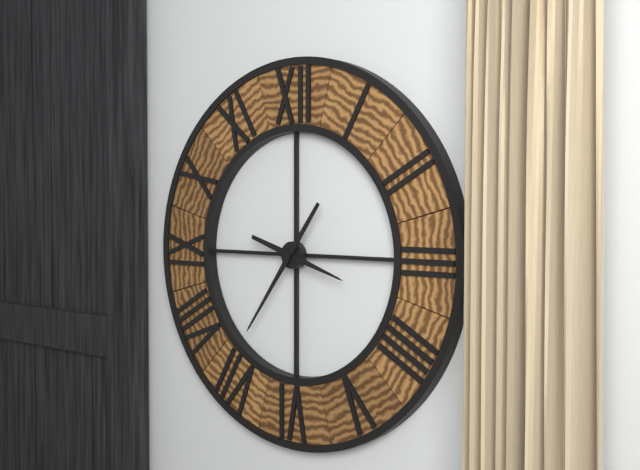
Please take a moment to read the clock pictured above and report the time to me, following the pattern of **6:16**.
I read **3:36**
